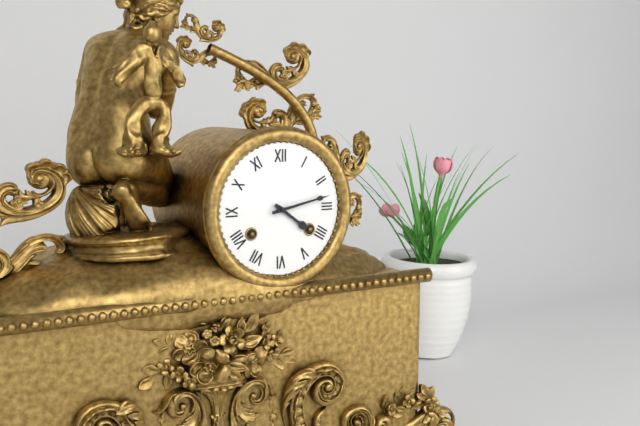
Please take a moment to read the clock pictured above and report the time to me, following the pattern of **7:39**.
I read **4:13**
